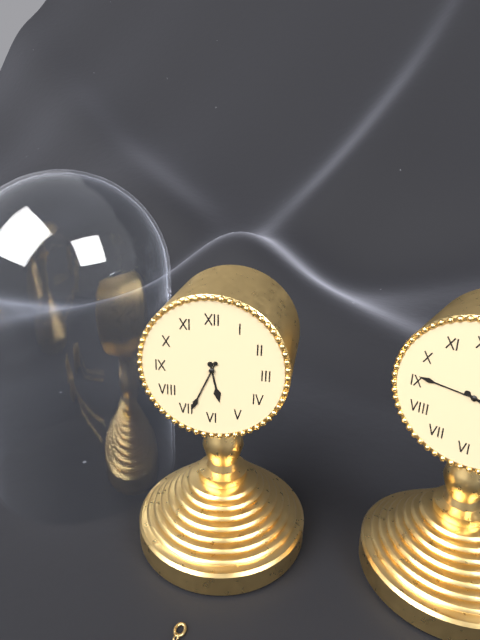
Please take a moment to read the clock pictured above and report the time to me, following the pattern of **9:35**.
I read **5:34**
